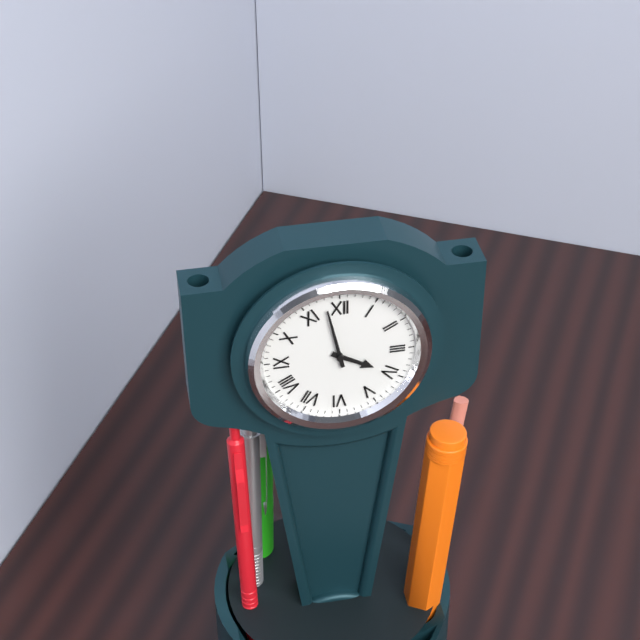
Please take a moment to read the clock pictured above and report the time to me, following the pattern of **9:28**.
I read **3:58**
